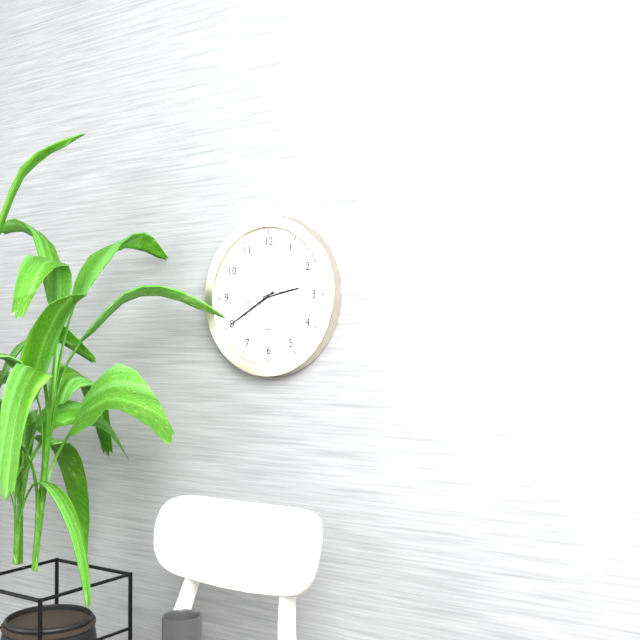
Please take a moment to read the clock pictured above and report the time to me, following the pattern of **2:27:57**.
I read **2:40:43**
